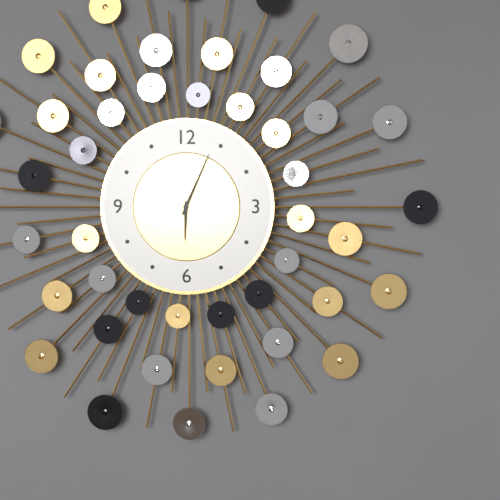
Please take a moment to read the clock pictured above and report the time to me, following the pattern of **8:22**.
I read **6:04**
